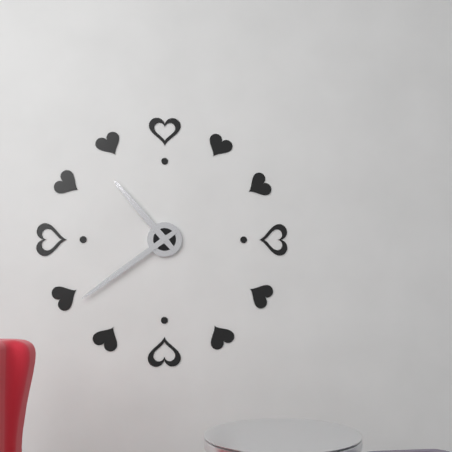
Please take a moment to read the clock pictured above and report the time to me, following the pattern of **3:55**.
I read **10:39**
